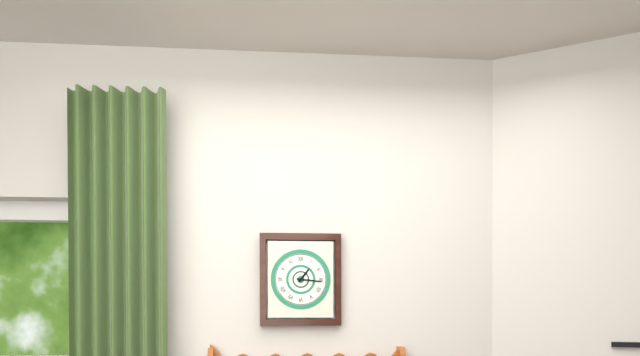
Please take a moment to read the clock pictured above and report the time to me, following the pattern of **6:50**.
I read **1:16**
